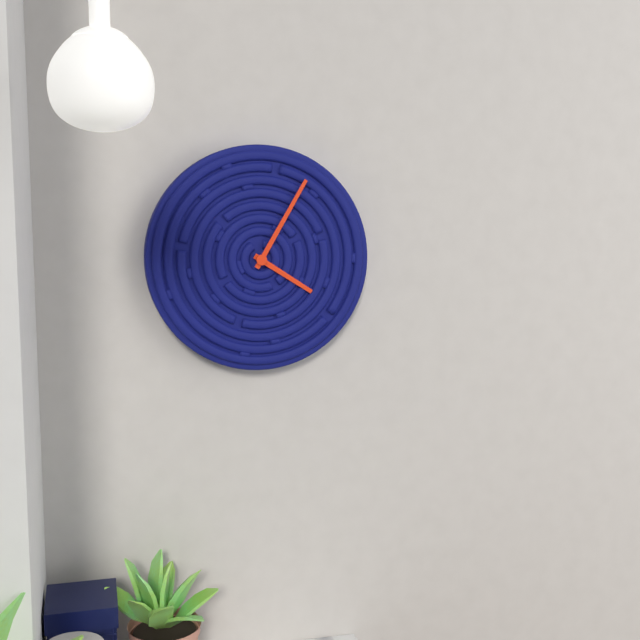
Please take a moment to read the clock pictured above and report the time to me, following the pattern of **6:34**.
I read **4:05**
